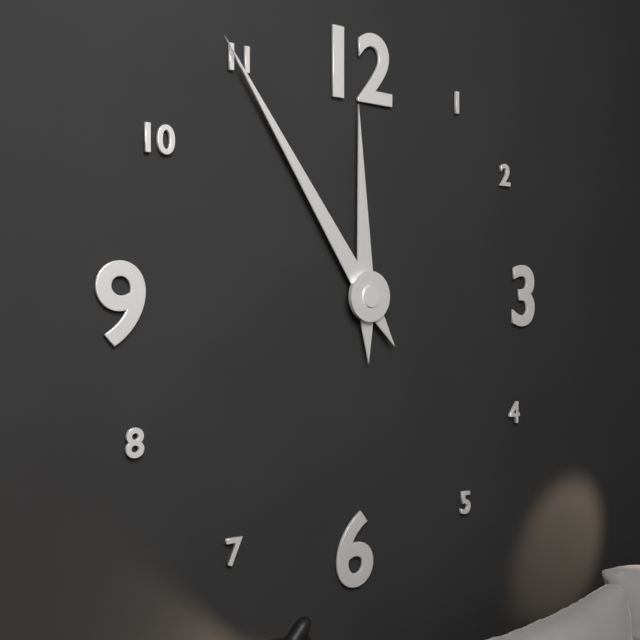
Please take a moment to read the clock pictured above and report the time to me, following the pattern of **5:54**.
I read **11:54**
